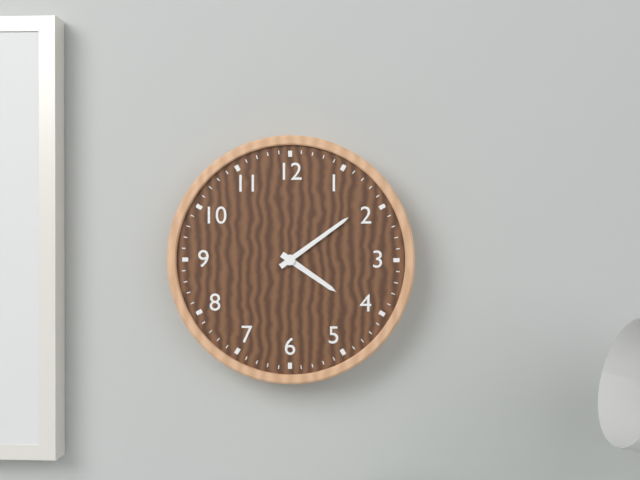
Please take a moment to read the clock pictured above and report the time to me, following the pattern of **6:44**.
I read **4:09**
